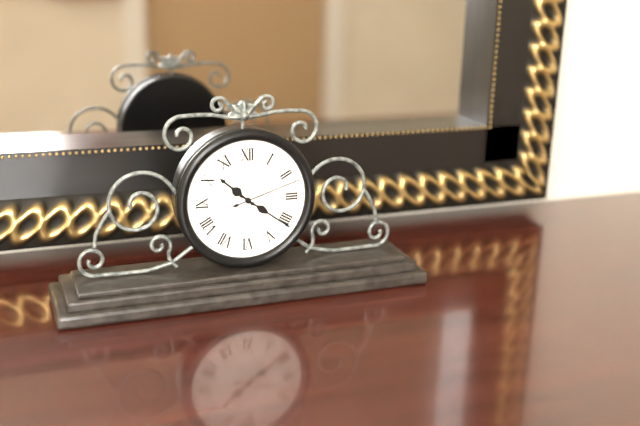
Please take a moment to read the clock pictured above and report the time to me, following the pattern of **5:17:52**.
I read **10:21:12**
